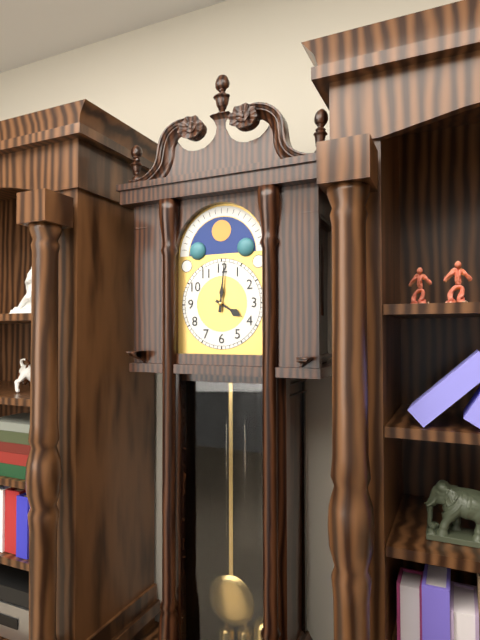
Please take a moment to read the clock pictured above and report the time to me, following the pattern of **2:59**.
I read **4:01**
